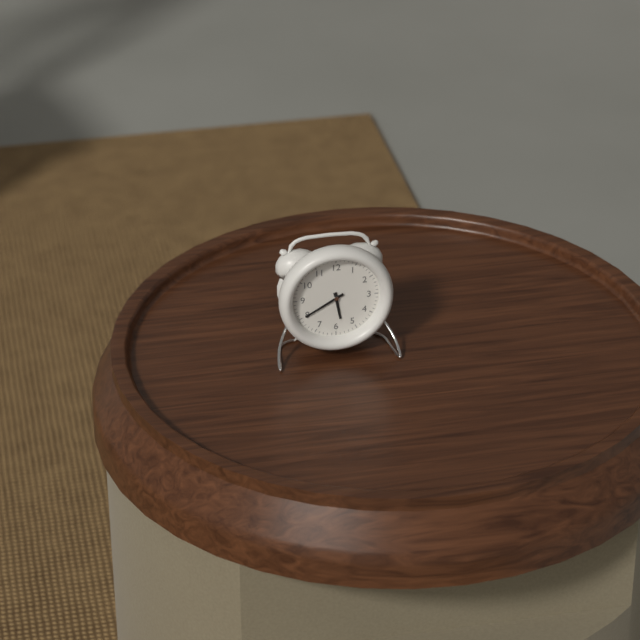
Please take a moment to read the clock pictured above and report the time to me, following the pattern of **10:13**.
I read **5:40**
